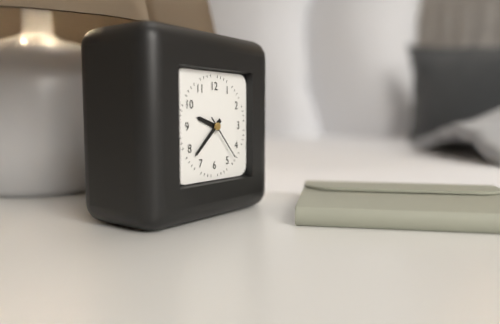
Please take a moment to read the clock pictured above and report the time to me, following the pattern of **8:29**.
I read **9:38**
